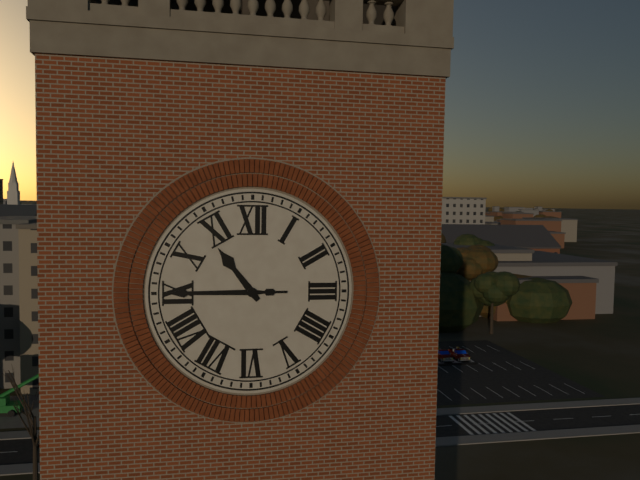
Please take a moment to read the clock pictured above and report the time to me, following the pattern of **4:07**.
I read **10:45**
